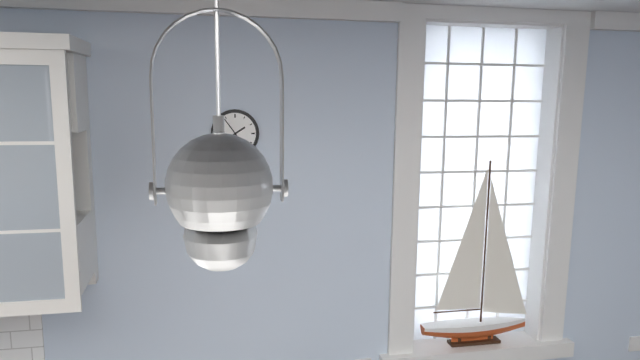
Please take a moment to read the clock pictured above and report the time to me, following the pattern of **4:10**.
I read **1:54**
